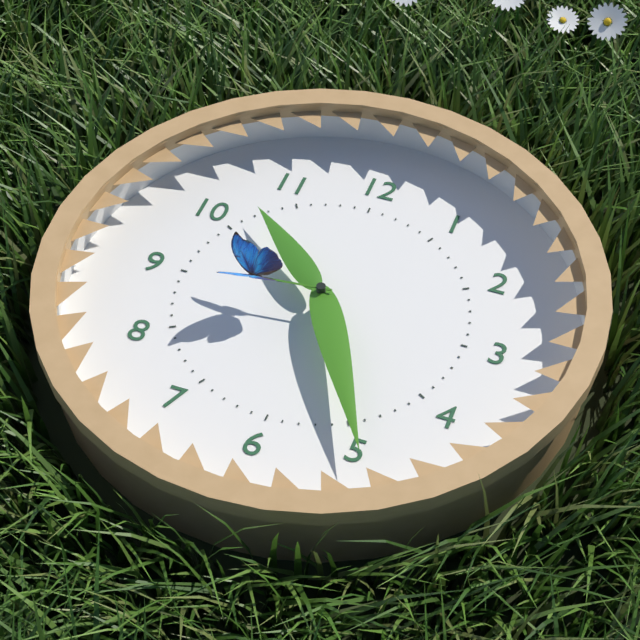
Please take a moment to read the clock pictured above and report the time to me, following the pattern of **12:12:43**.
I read **10:25:44**
